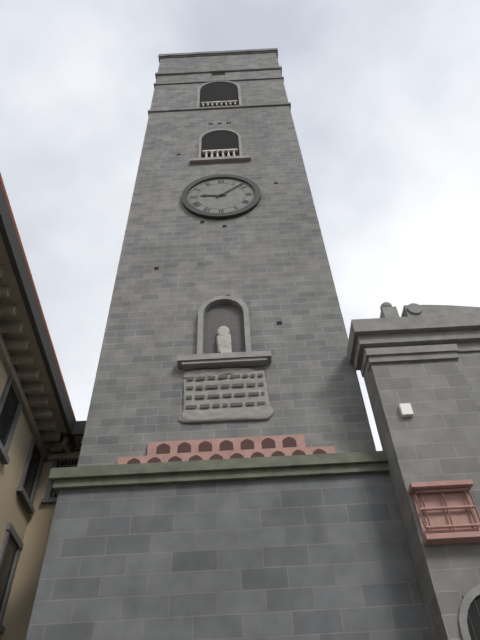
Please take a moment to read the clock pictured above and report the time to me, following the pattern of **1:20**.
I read **9:08**
